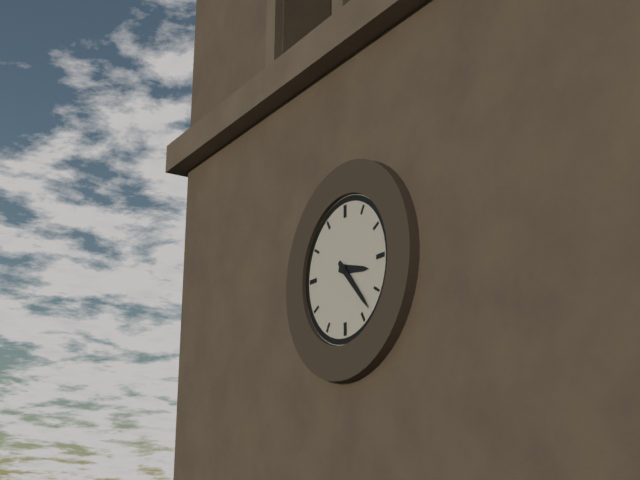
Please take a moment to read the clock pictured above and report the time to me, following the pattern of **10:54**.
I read **3:23**
